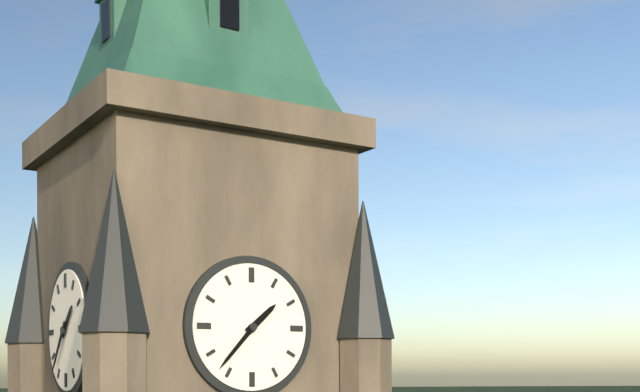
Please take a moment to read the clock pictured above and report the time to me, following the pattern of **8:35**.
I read **1:37**
